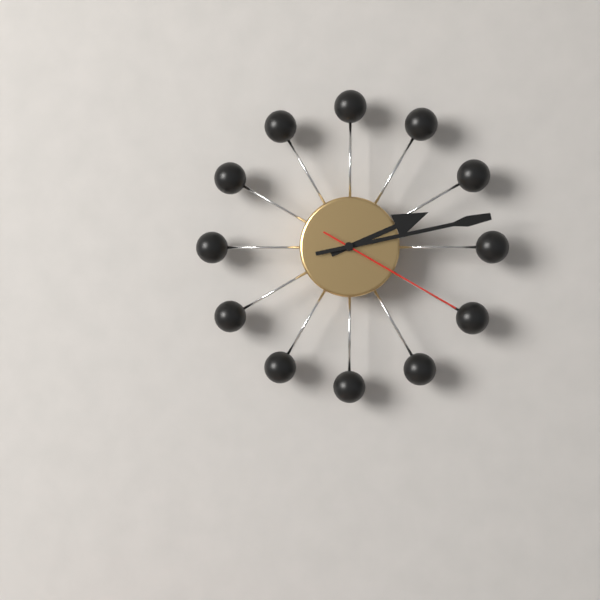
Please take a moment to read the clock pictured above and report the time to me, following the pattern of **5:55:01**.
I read **2:13:20**
